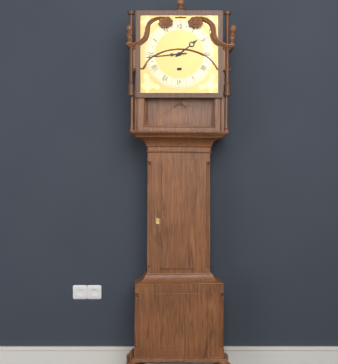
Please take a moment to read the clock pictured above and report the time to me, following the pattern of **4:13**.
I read **1:44**
